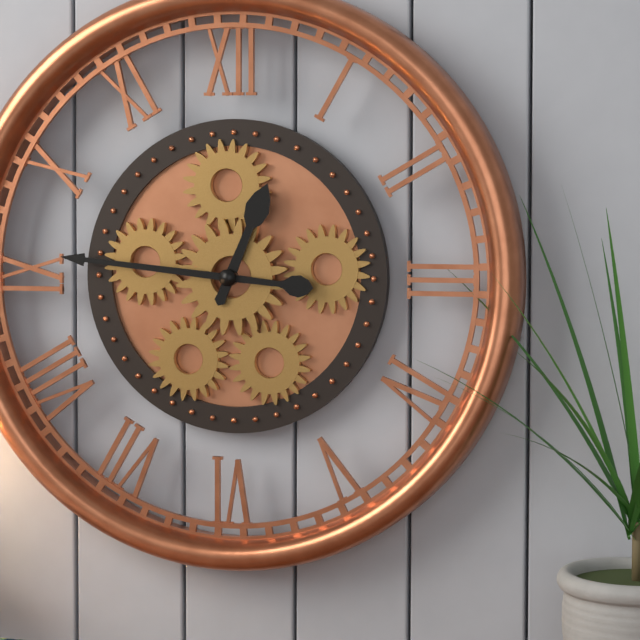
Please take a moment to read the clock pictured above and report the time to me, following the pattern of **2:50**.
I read **12:46**
